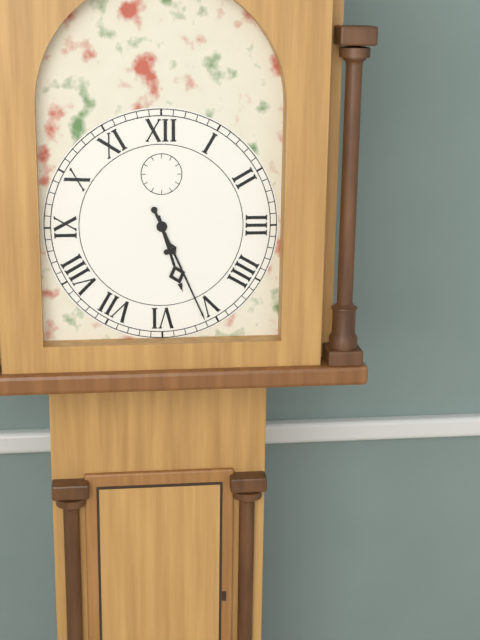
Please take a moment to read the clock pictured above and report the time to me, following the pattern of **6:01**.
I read **5:26**
